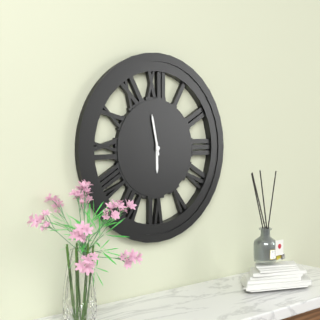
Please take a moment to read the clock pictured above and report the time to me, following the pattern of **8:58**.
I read **5:58**
